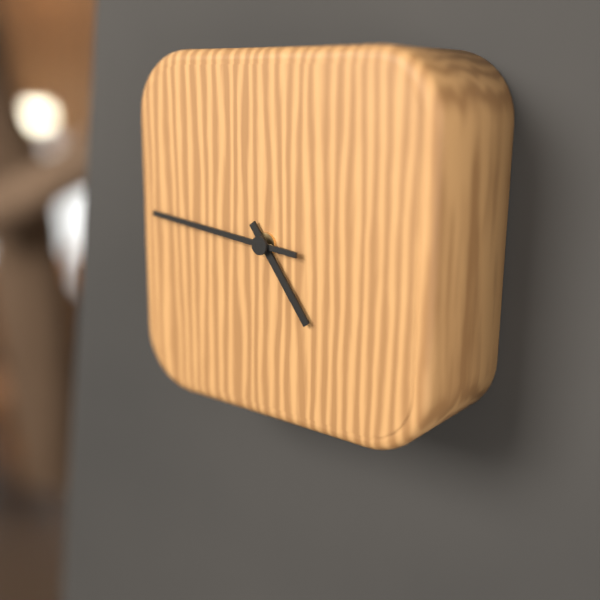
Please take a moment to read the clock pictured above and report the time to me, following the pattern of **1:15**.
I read **4:46**
